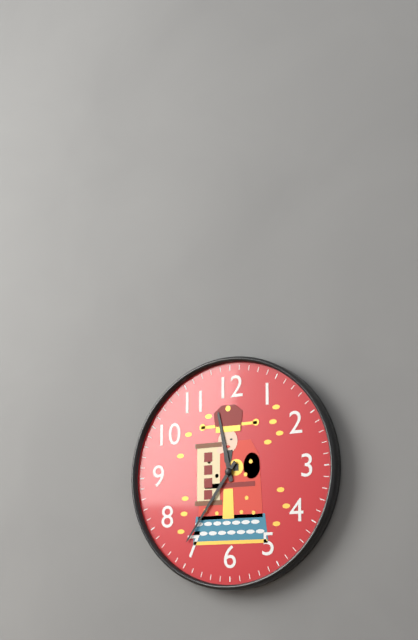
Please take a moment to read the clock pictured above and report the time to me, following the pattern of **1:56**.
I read **11:36**
